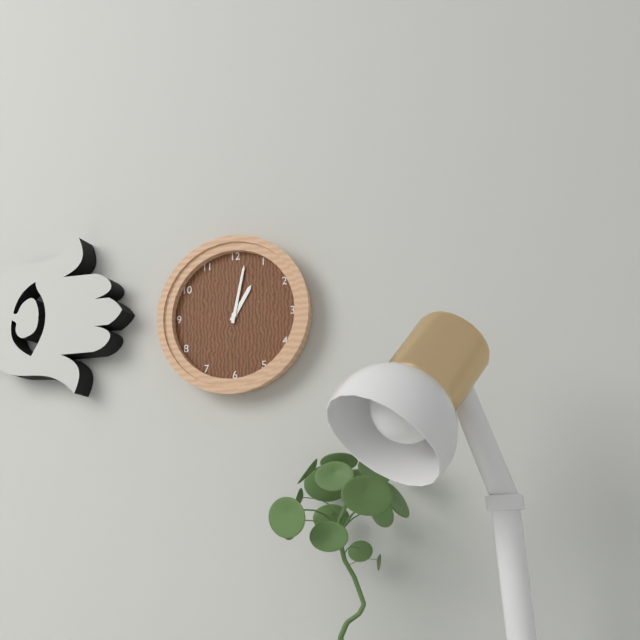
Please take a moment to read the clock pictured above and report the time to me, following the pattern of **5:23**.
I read **1:02**
